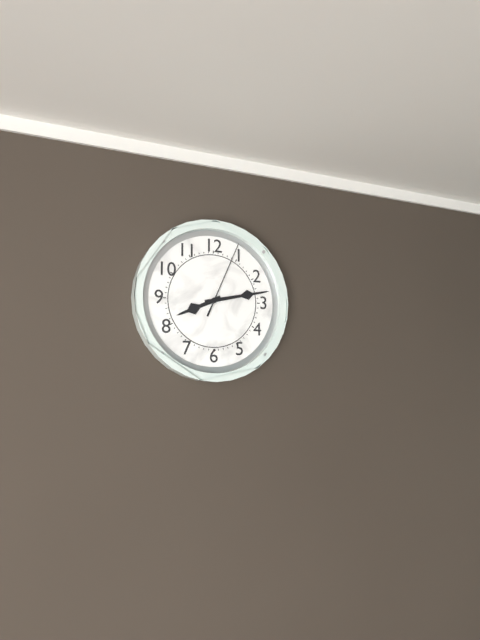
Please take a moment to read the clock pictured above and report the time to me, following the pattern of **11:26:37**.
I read **8:13:04**
